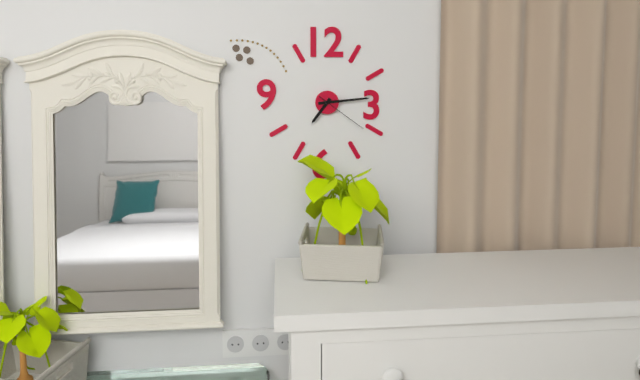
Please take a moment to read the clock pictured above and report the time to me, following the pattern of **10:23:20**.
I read **7:14:21**
